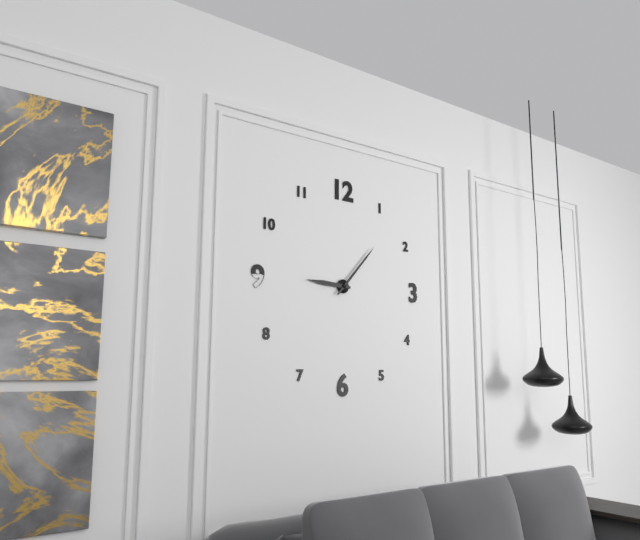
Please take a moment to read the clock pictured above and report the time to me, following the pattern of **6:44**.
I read **9:07**
